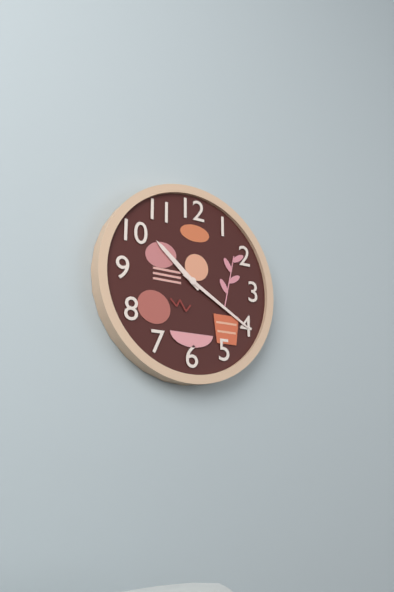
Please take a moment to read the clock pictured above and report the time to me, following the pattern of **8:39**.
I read **10:20**
